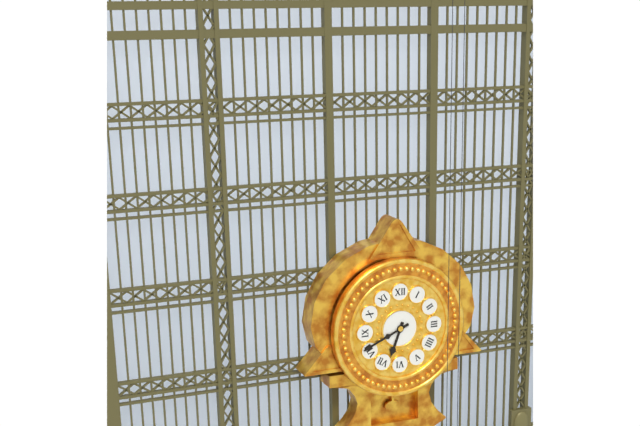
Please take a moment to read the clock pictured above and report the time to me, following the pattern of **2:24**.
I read **6:41**
